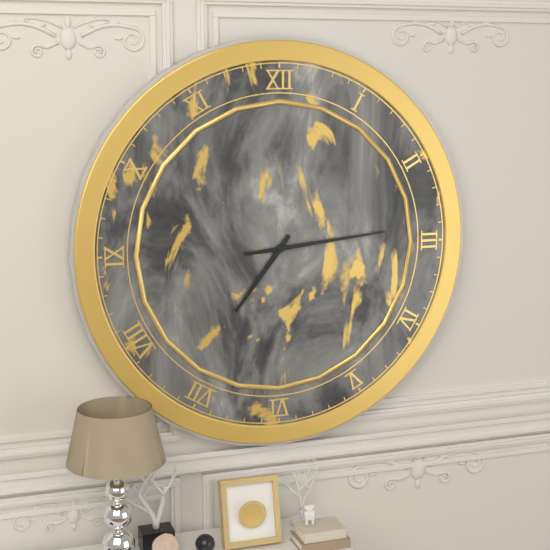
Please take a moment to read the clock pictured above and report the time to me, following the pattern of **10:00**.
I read **7:14**
